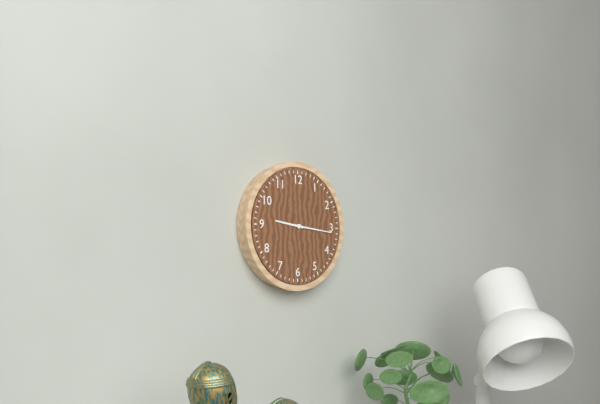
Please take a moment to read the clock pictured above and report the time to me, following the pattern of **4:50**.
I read **9:16**
